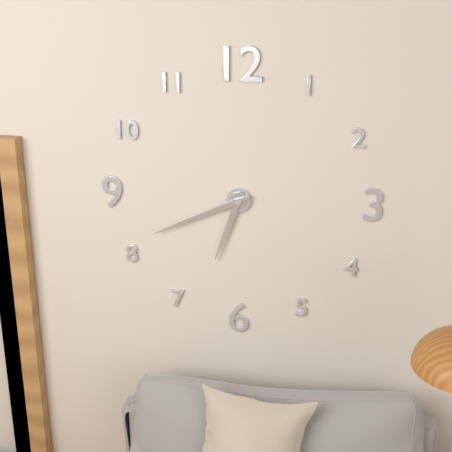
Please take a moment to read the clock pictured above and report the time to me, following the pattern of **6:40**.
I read **6:41**
